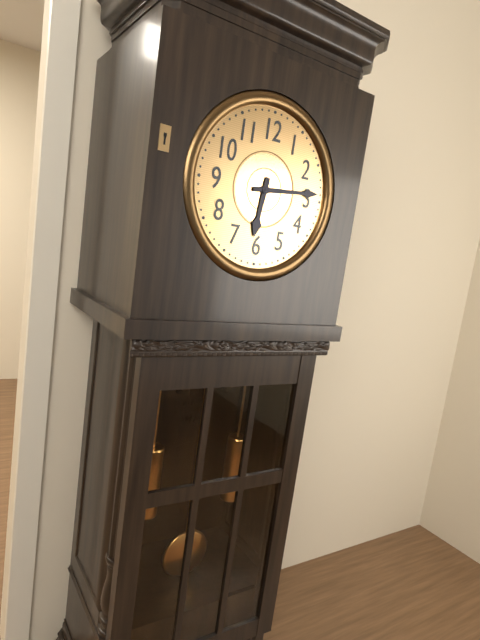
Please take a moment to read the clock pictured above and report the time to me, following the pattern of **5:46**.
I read **6:14**
